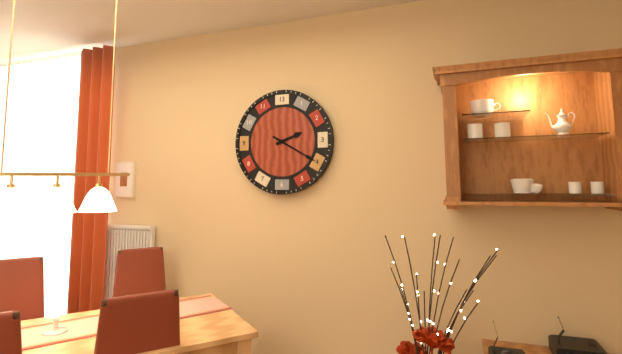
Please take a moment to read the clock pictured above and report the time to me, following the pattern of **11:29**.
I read **2:20**
